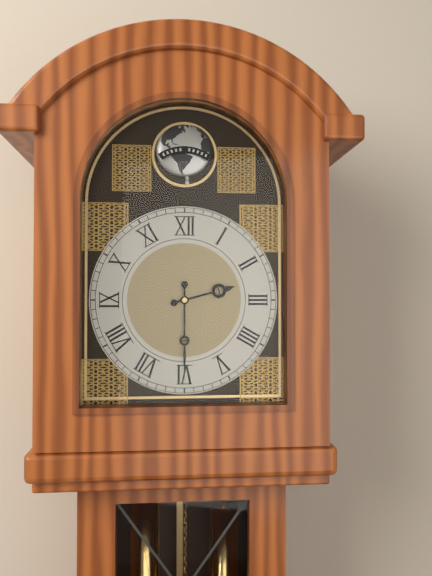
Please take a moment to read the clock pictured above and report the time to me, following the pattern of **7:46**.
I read **2:30**
